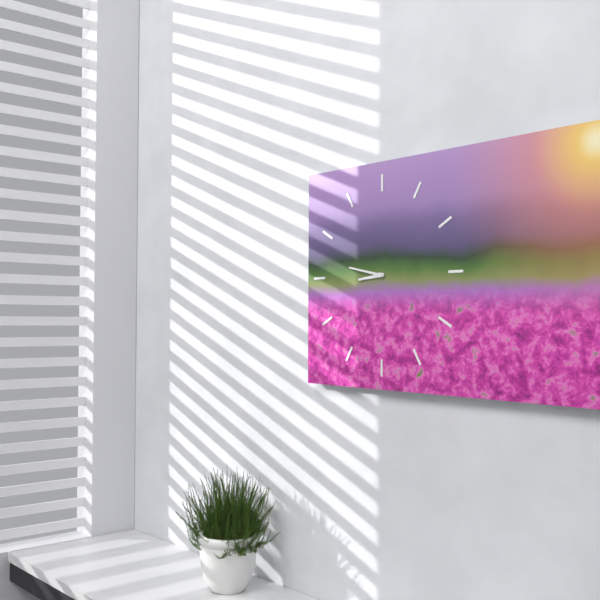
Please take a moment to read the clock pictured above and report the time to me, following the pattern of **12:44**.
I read **8:47**
